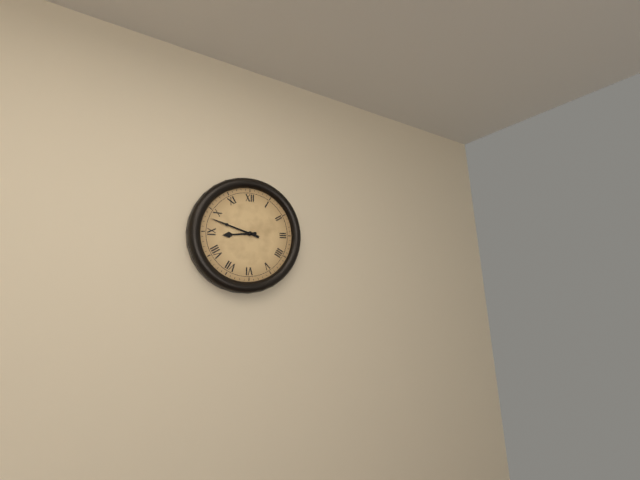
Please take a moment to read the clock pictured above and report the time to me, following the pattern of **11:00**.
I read **8:48**
